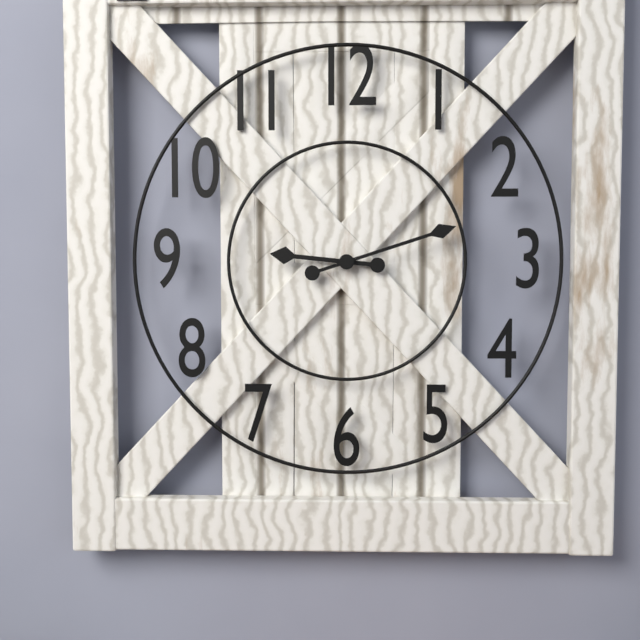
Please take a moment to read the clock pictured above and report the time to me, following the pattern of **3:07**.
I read **9:12**
